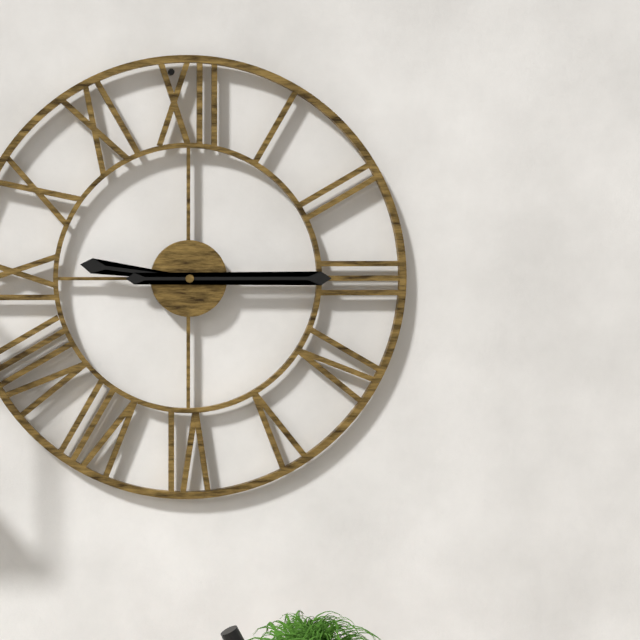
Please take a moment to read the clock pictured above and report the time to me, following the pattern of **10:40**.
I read **9:15**
